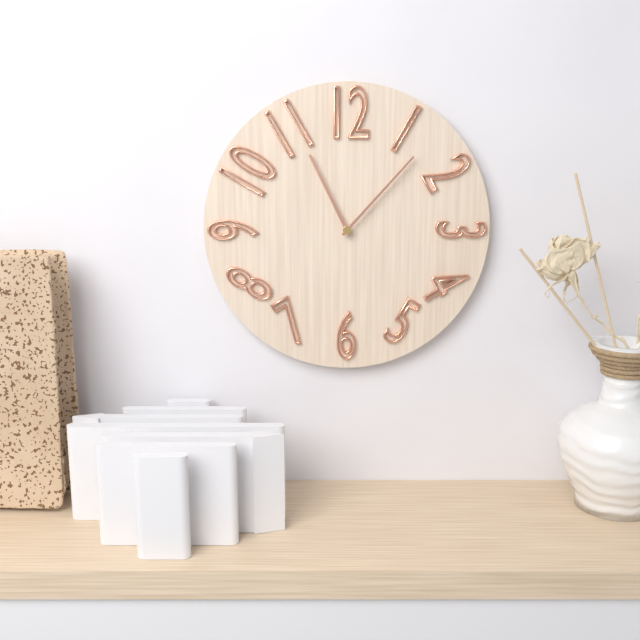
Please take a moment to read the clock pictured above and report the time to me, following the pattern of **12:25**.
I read **11:07**
